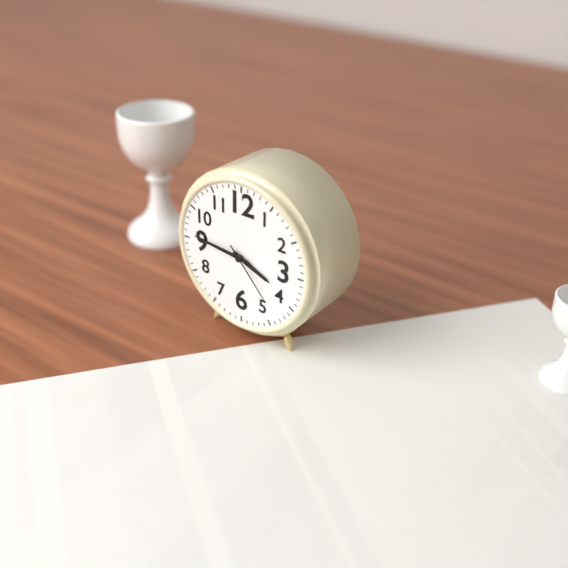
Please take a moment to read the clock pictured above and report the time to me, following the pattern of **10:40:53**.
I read **3:46:23**
